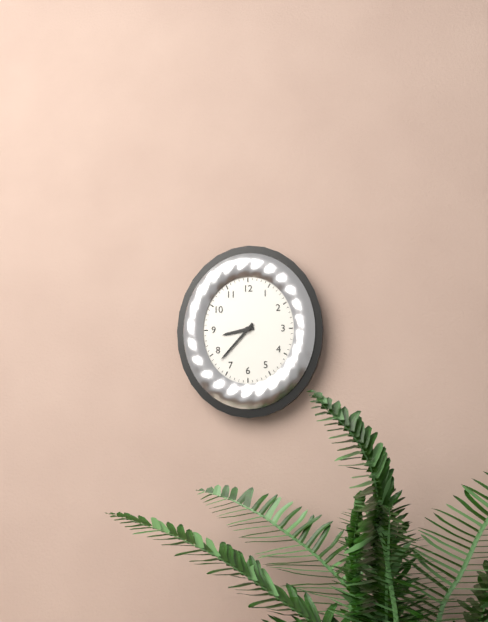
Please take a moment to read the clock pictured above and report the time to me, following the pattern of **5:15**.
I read **8:37**
